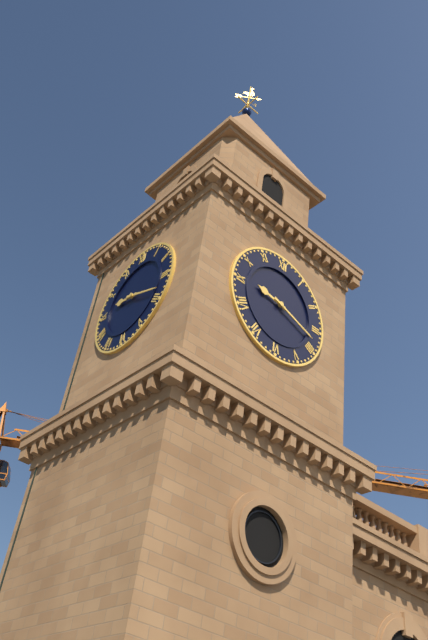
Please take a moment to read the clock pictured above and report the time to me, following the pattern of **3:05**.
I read **9:18**
